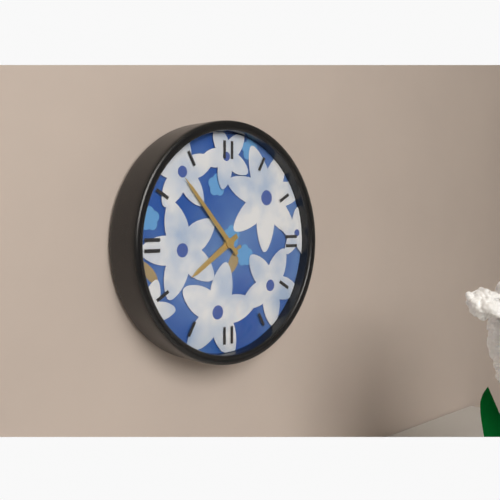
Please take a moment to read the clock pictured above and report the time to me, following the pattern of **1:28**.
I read **7:53**
